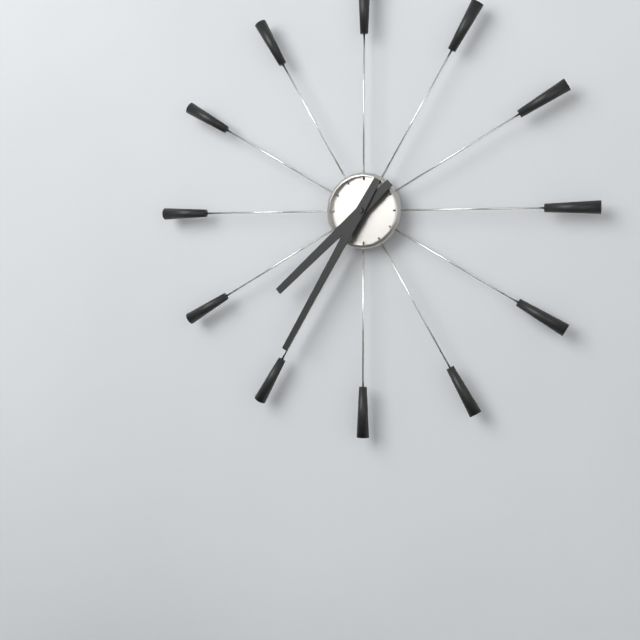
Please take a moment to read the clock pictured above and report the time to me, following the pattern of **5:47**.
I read **7:35**
